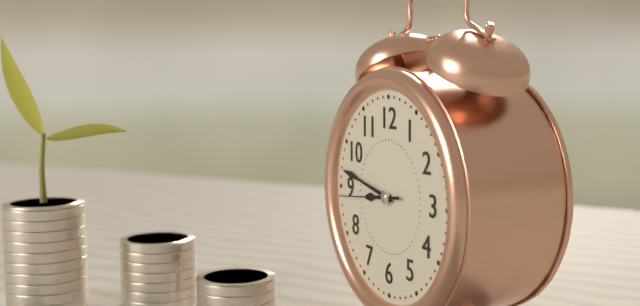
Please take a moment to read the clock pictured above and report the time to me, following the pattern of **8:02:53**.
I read **8:47:44**
